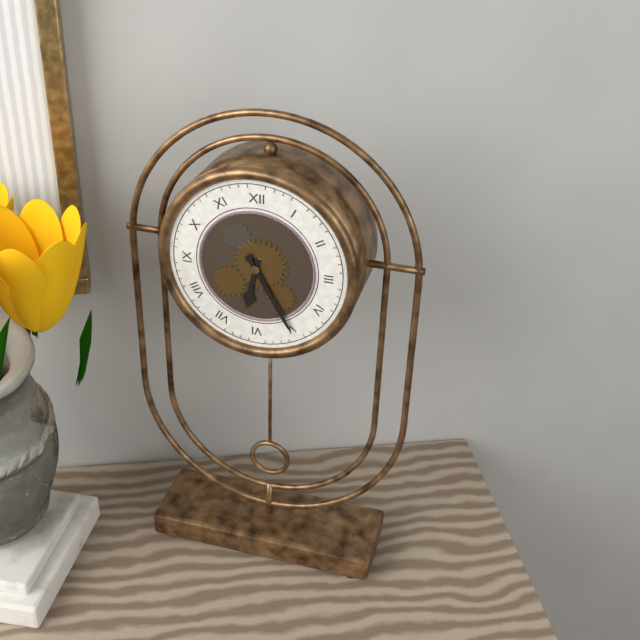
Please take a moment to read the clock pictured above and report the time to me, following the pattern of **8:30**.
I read **6:25**
